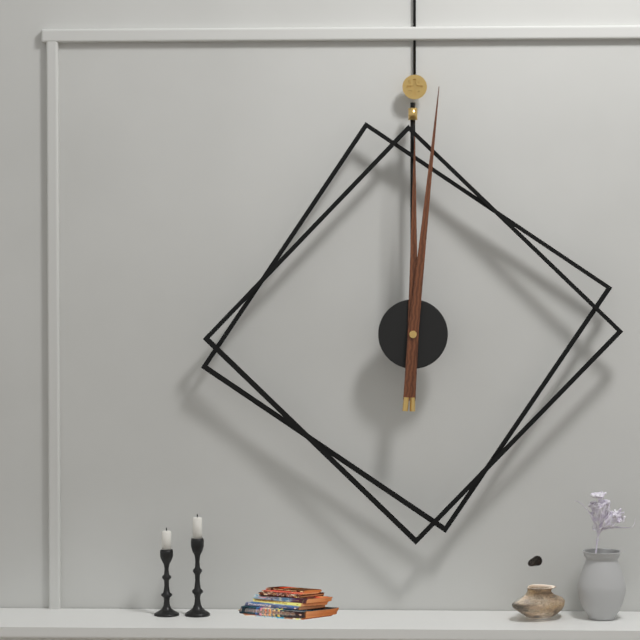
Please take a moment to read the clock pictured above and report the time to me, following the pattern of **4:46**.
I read **12:01**
